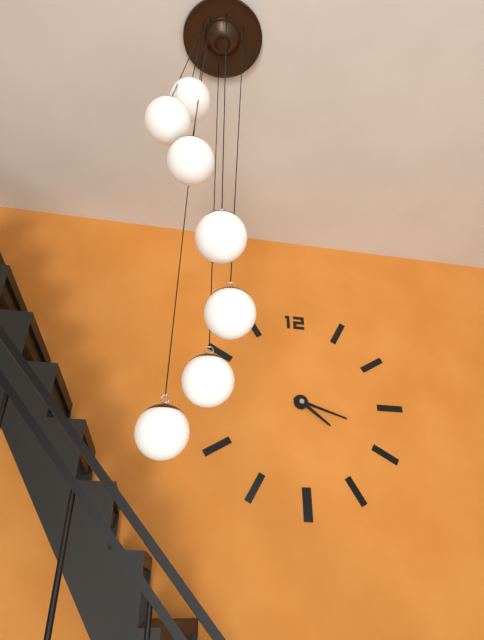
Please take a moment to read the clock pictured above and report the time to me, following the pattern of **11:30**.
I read **4:18**
